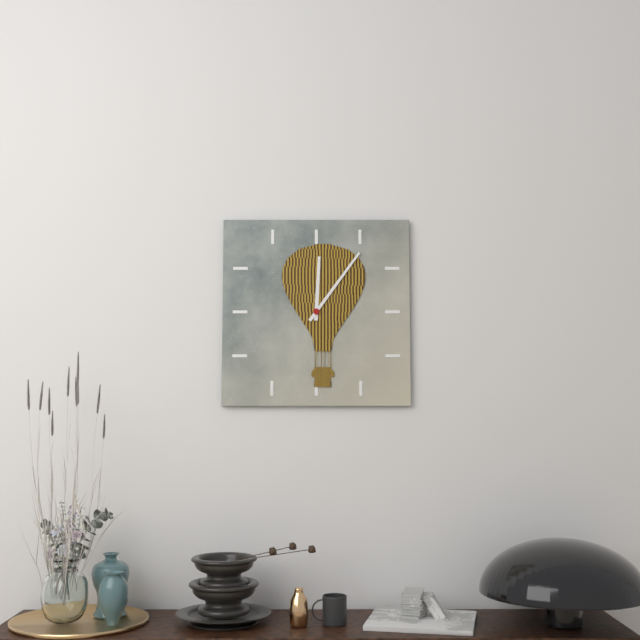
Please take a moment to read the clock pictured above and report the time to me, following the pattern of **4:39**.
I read **12:06**
